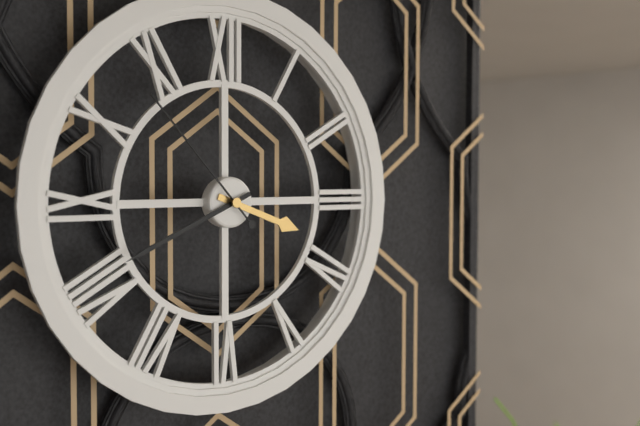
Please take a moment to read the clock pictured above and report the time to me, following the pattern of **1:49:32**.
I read **3:41:53**
